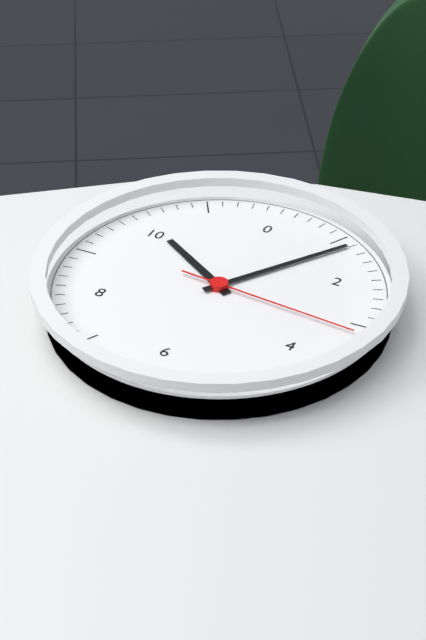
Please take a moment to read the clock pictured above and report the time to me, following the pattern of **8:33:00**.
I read **10:06:16**
